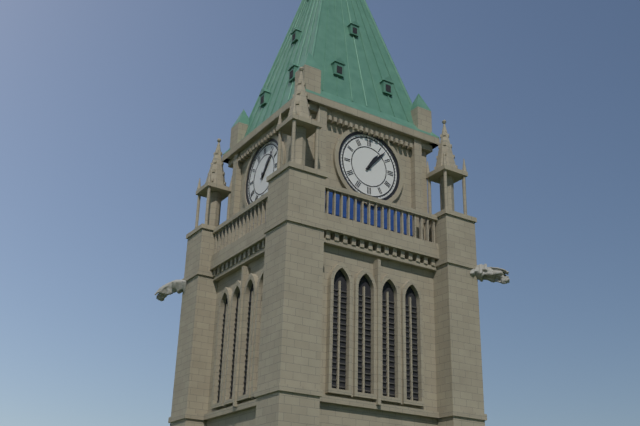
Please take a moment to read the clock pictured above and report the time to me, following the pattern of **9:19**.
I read **1:07**
